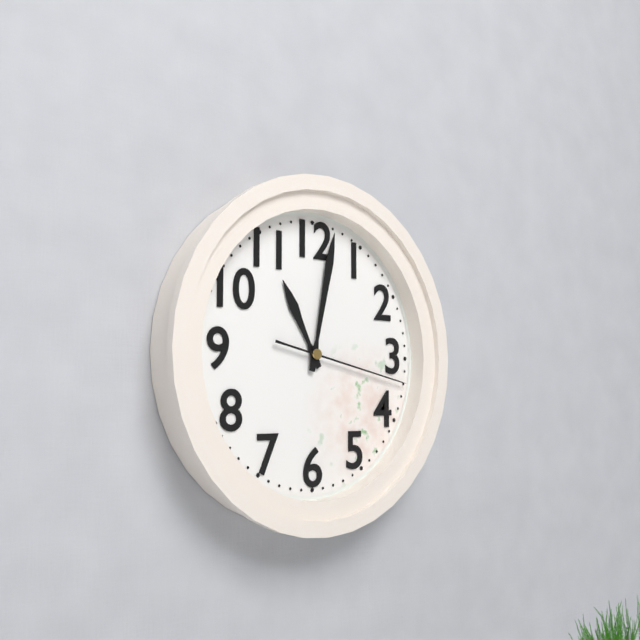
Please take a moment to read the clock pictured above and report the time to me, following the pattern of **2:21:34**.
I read **11:02:17**
